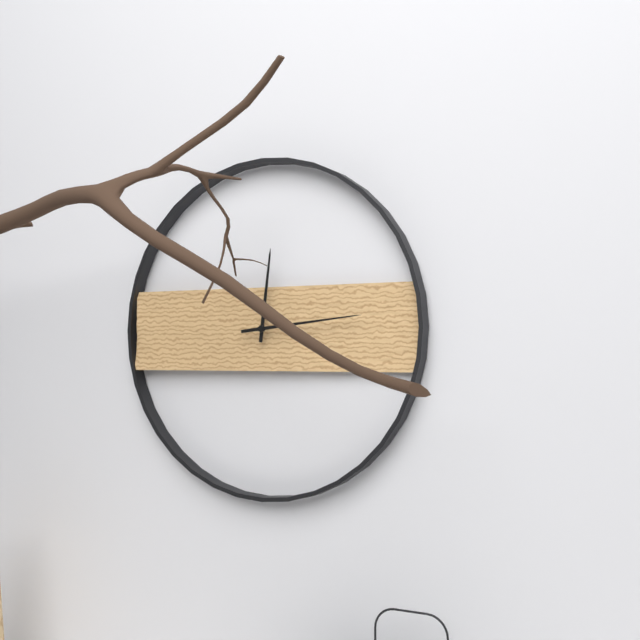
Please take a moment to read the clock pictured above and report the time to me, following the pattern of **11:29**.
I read **12:14**
